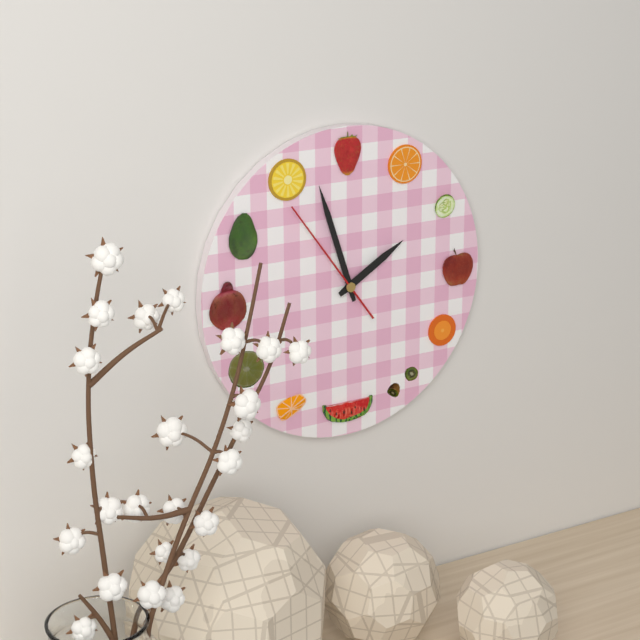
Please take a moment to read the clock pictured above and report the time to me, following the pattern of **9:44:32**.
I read **1:57:54**
